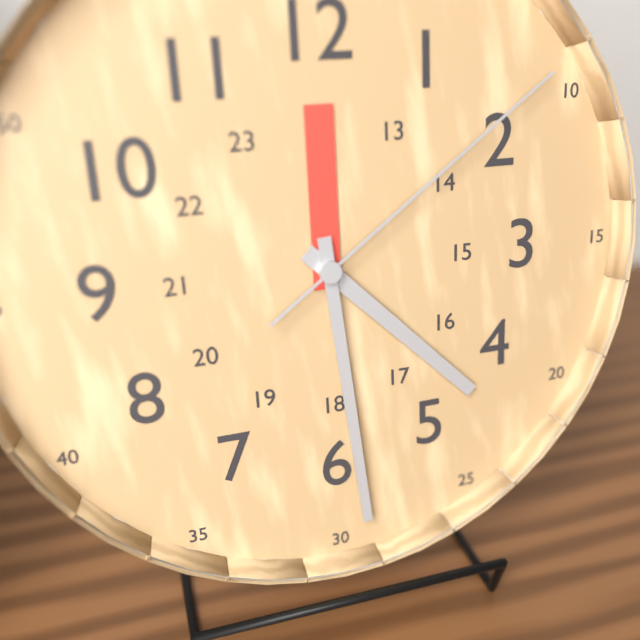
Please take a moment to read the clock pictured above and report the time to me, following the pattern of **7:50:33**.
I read **4:29:09**
